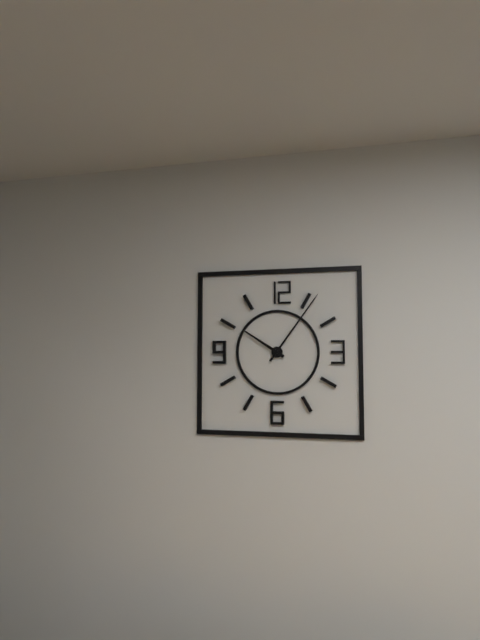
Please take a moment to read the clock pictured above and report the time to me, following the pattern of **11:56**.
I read **10:06**
